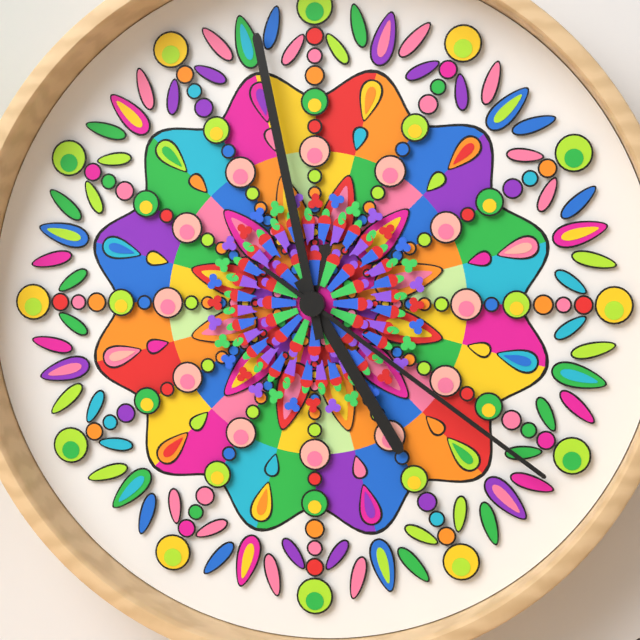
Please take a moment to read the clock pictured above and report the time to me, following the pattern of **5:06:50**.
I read **4:58:21**
